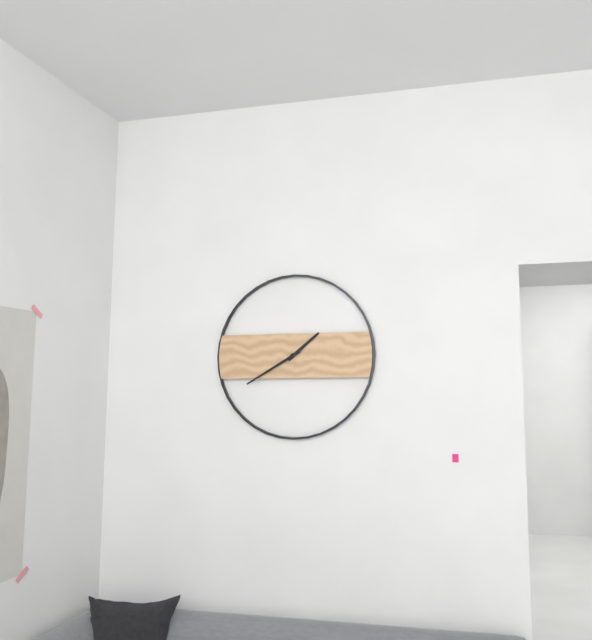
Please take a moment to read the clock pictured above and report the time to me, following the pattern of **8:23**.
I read **1:40**
